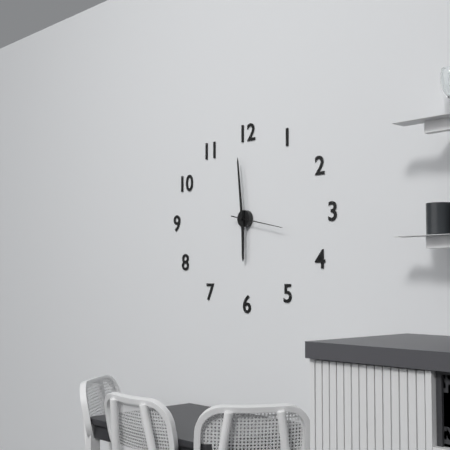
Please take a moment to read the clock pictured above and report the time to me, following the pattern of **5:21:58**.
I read **5:59:17**
